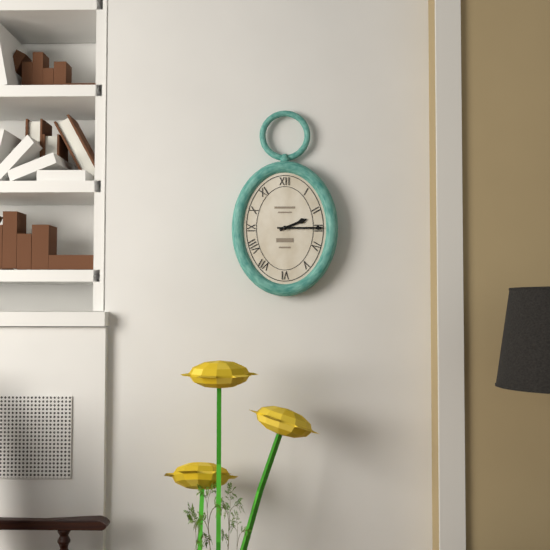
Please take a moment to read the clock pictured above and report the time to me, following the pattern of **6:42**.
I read **2:15**
